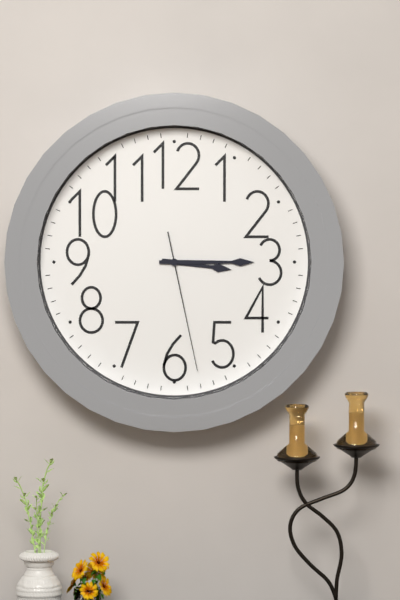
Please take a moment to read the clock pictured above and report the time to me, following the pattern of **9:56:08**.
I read **3:15:28**
